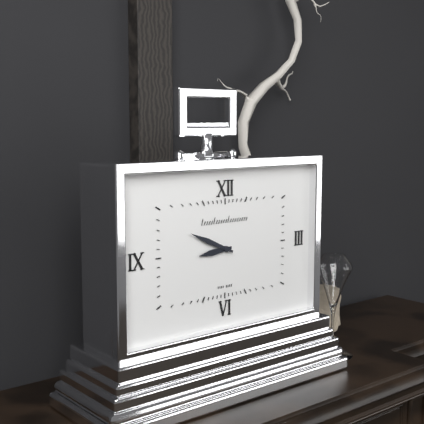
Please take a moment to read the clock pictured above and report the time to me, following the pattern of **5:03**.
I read **8:49**
